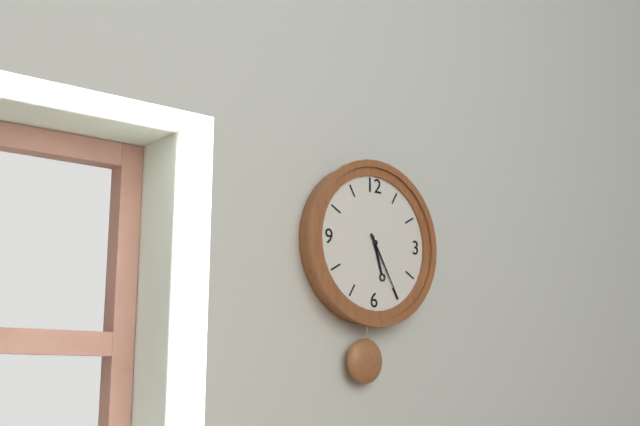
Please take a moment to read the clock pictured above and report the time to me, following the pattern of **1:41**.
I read **5:25**
